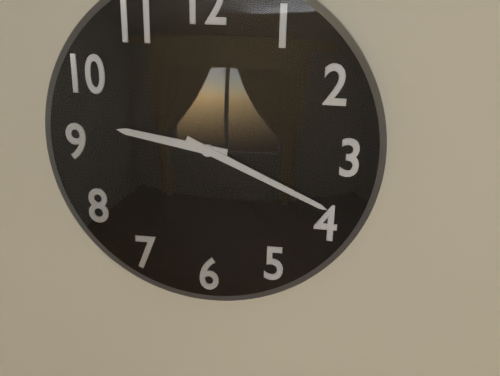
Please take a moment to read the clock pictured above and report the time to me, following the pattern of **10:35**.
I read **9:19**
